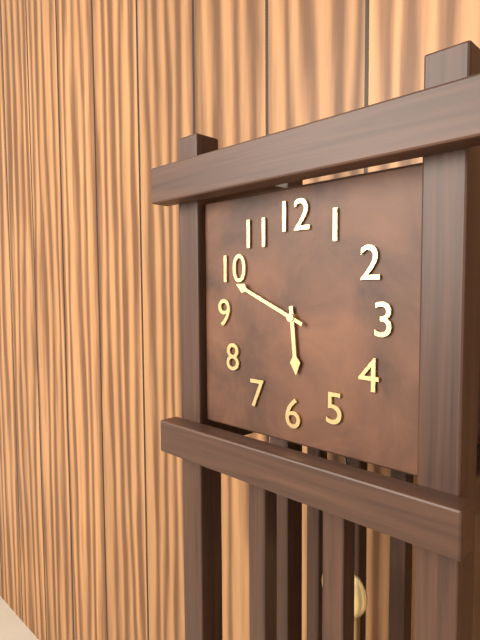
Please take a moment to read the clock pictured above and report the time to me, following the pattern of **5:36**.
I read **5:49**
